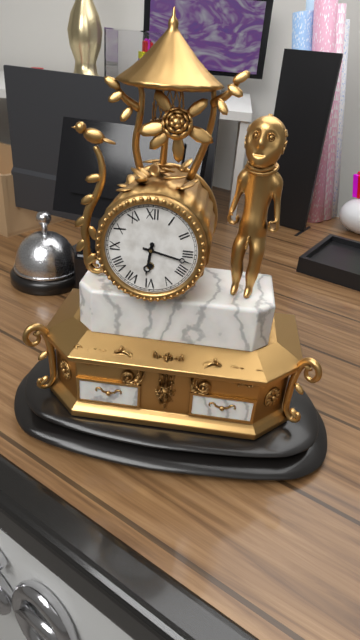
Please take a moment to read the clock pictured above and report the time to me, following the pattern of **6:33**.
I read **6:17**
